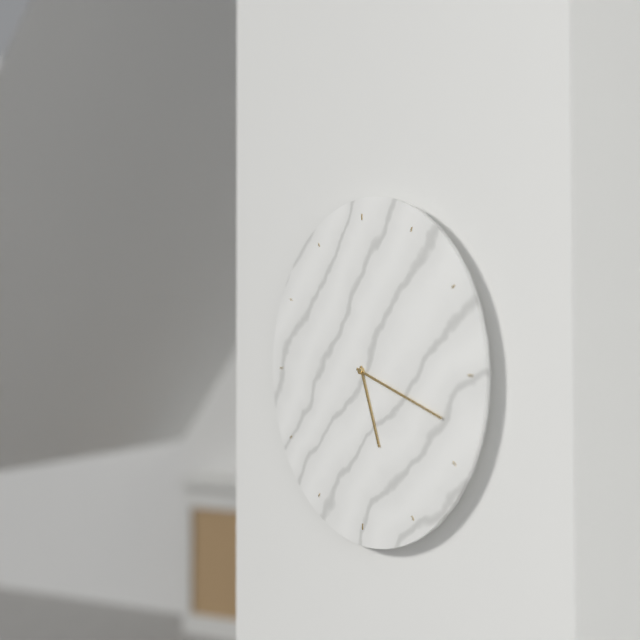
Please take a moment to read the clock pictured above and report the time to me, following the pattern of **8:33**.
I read **5:18**
